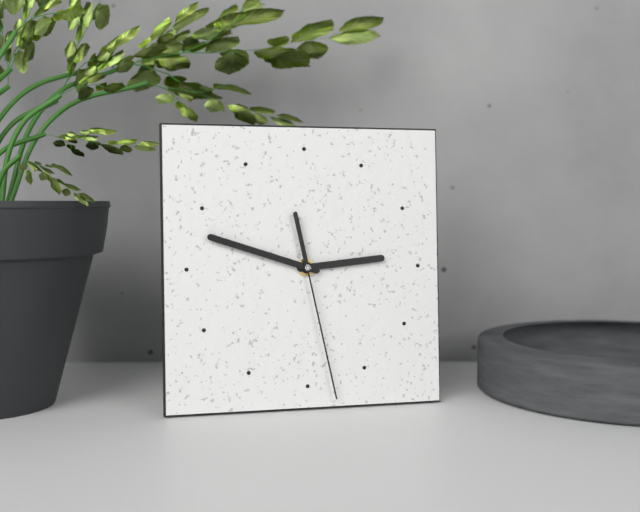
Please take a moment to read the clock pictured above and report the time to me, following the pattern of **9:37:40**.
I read **2:48:28**
